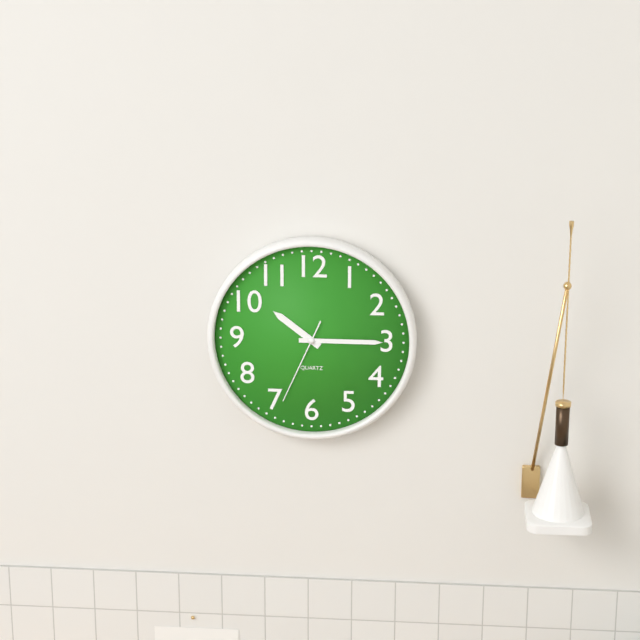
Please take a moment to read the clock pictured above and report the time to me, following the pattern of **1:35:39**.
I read **10:15:34**
